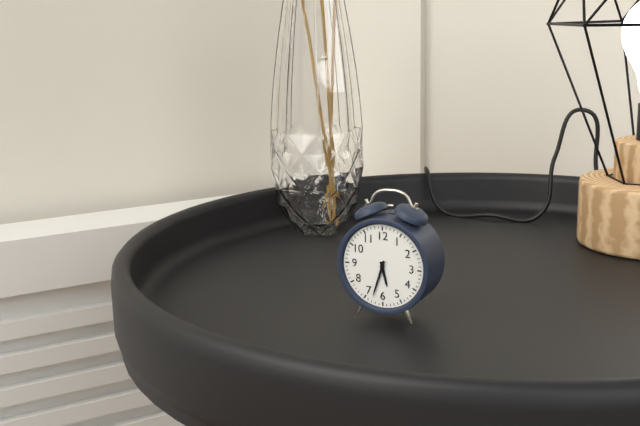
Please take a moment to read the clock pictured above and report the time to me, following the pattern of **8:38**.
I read **5:33**
